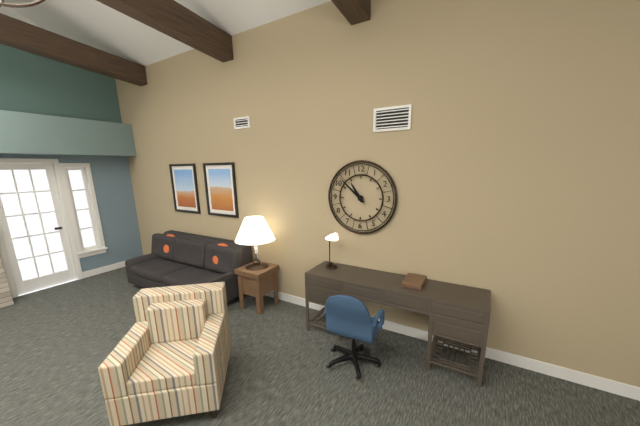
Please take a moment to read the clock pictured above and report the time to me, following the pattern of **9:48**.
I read **10:52**
